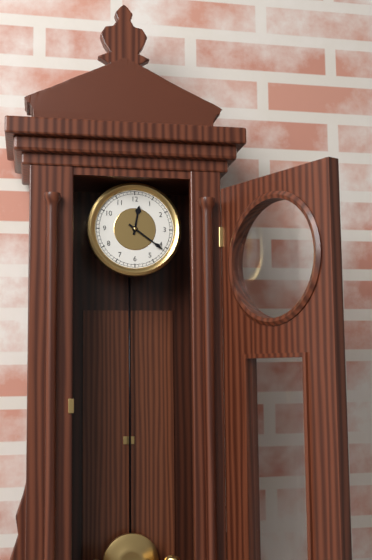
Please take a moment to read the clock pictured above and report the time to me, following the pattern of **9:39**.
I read **12:21**
